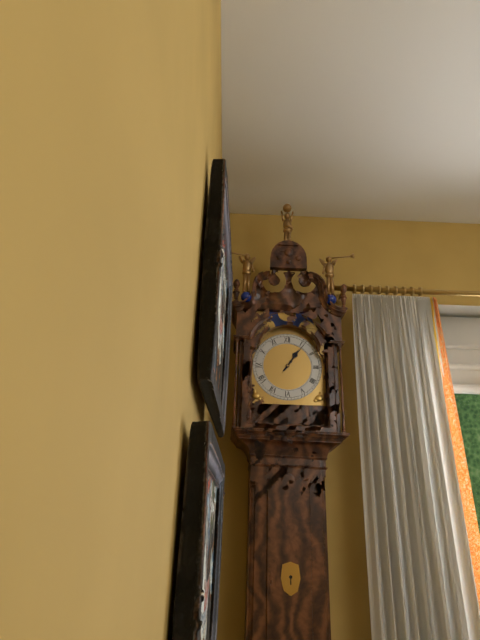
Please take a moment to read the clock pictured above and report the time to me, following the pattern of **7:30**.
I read **1:06**
